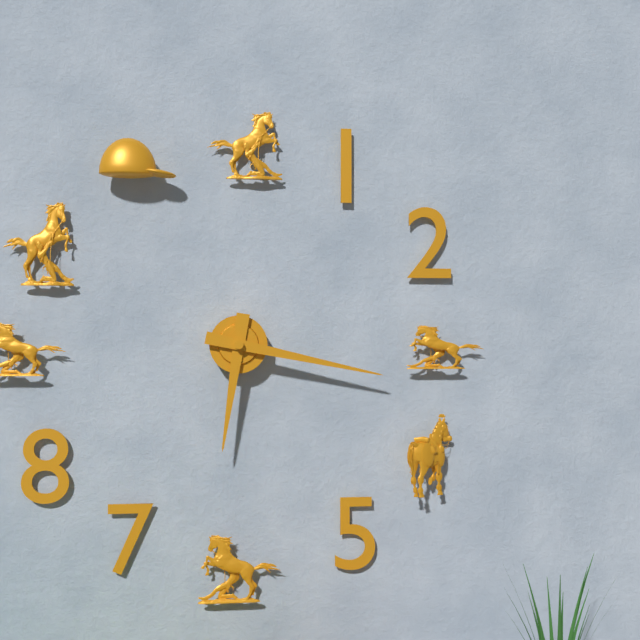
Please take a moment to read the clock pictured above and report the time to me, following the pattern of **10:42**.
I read **6:17**
